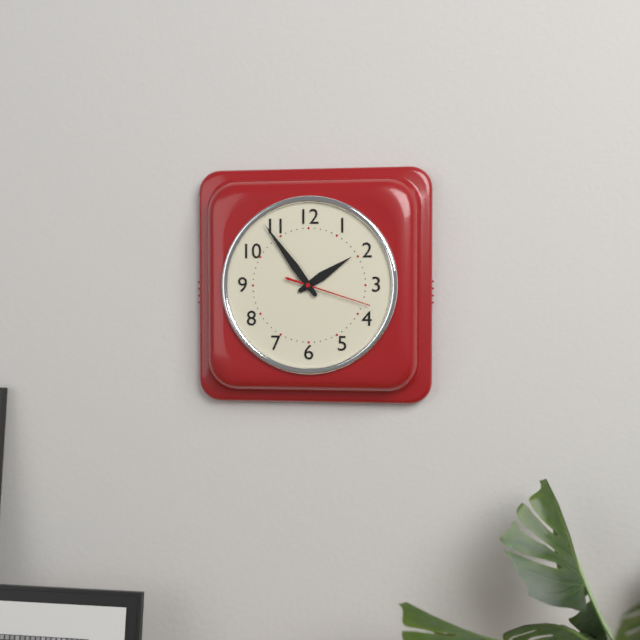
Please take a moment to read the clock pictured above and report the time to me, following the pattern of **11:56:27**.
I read **1:54:18**
